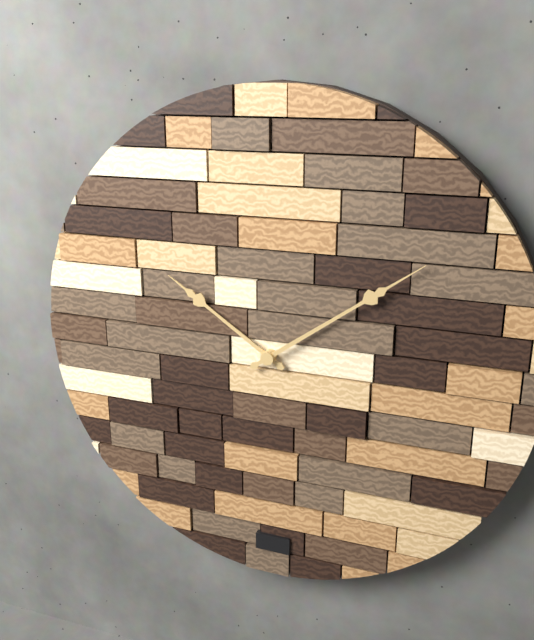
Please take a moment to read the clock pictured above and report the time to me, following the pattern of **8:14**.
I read **10:09**
